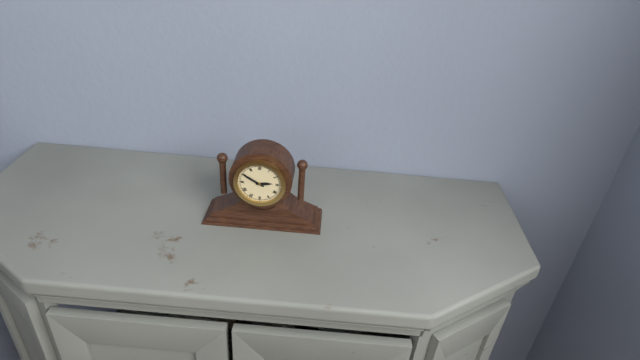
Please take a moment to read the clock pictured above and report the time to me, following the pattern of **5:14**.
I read **2:50**
